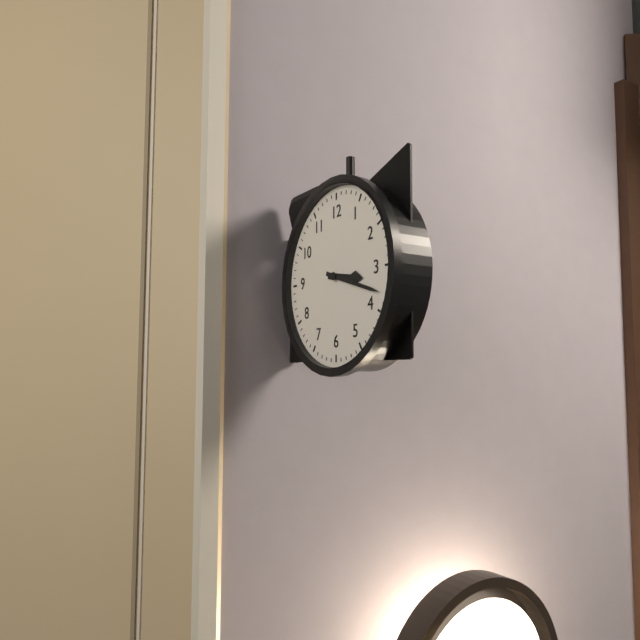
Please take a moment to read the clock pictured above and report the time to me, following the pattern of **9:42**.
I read **3:18**
